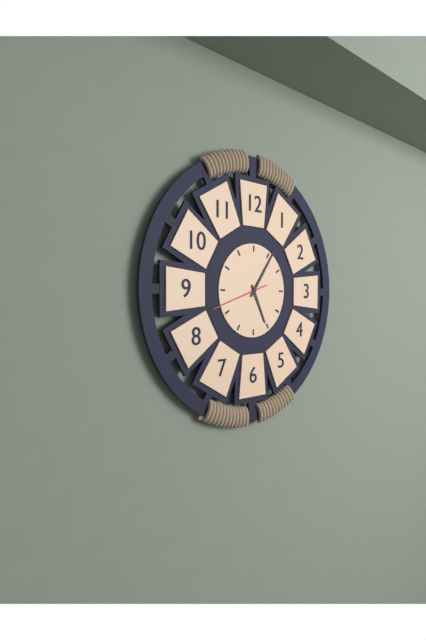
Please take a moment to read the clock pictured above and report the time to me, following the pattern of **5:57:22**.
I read **5:06:42**
